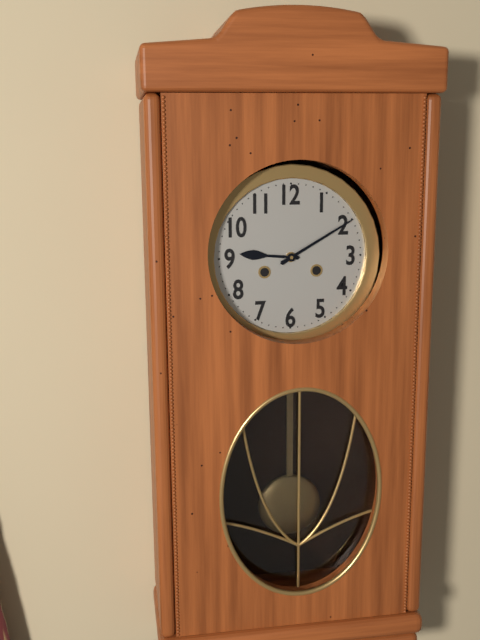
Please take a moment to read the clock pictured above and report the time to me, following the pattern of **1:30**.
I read **9:10**
